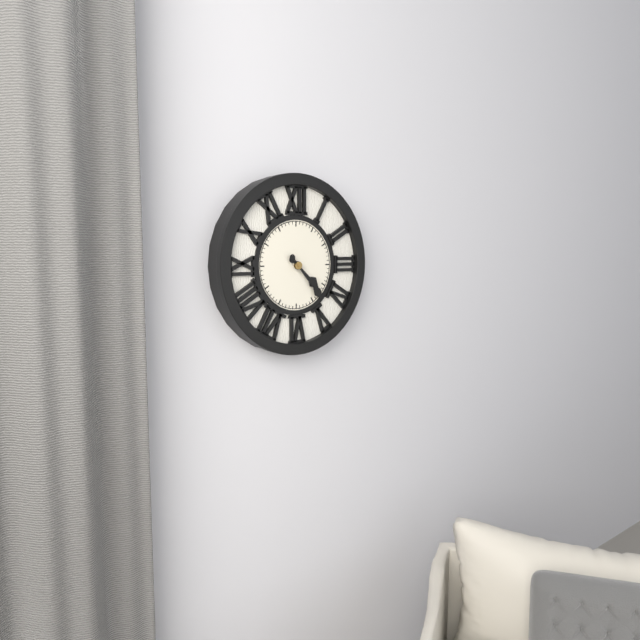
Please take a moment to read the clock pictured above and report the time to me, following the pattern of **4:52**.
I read **4:23**
